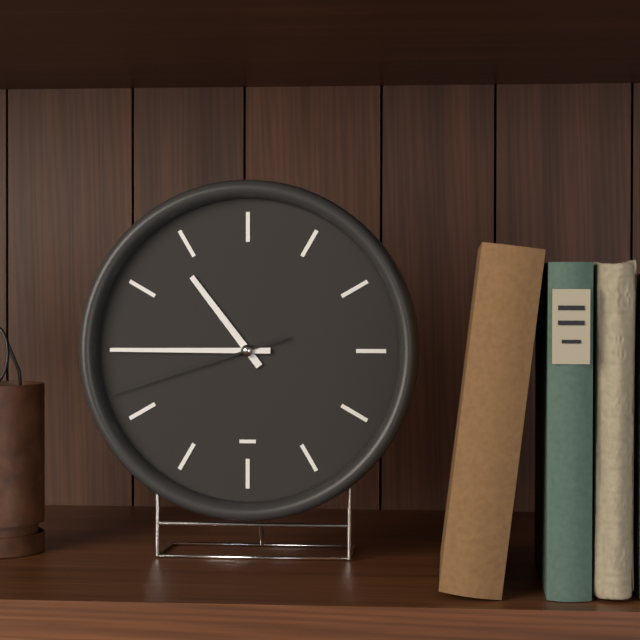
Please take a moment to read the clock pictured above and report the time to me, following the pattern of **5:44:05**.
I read **10:45:42**
